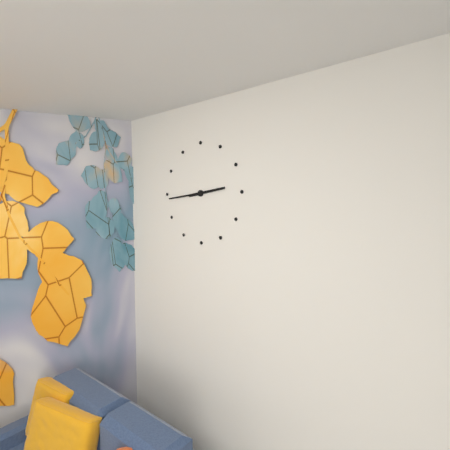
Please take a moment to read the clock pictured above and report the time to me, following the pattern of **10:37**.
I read **2:44**
